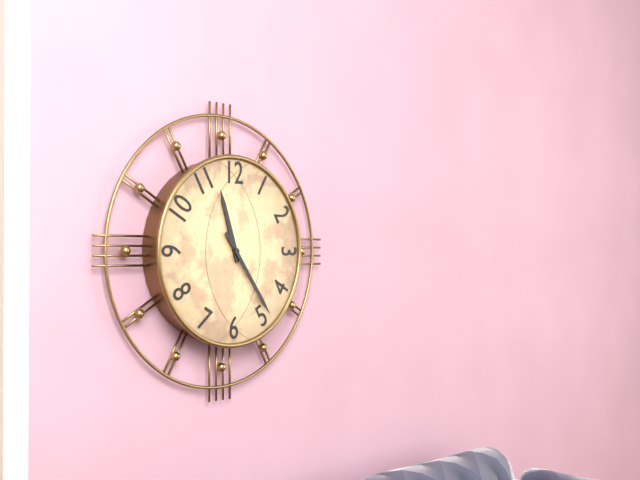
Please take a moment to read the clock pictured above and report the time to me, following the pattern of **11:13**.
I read **11:24**
